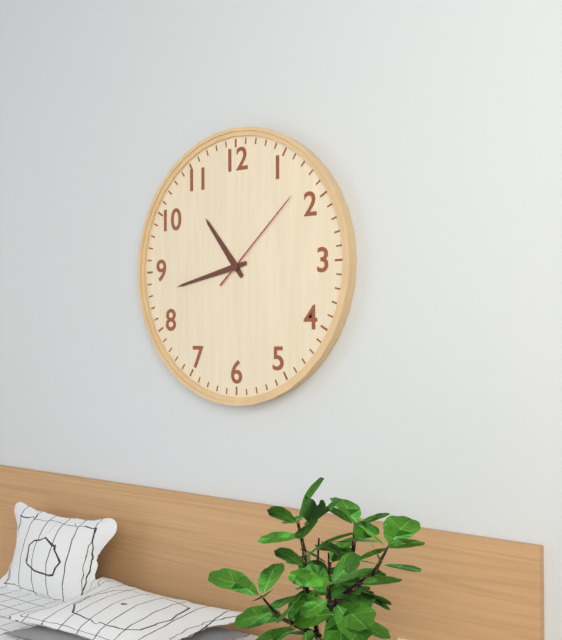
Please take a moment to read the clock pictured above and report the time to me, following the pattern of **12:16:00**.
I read **10:43:08**
